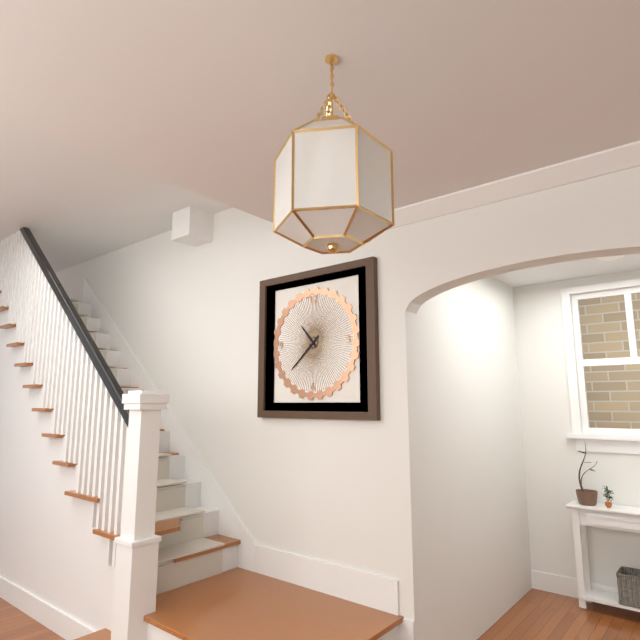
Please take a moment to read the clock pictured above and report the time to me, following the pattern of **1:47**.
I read **10:38**
